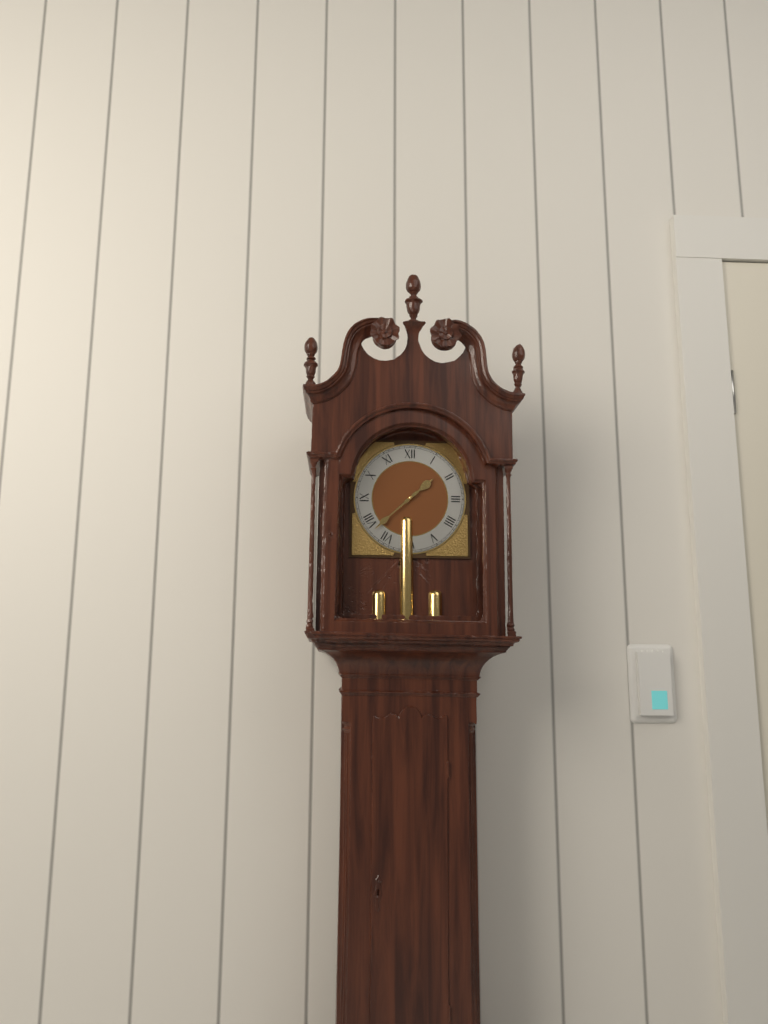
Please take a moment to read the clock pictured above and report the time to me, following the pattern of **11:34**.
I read **1:38**
